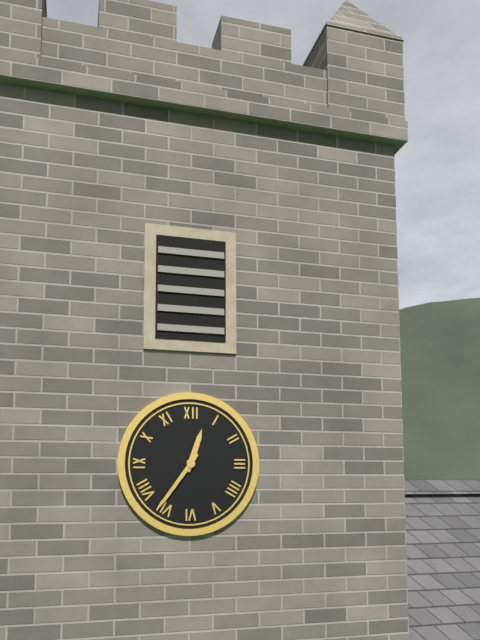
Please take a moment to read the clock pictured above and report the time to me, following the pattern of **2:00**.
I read **12:36**
